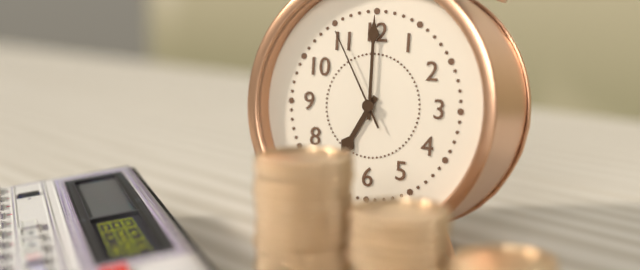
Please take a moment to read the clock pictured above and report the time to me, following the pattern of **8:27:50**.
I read **7:00:55**
